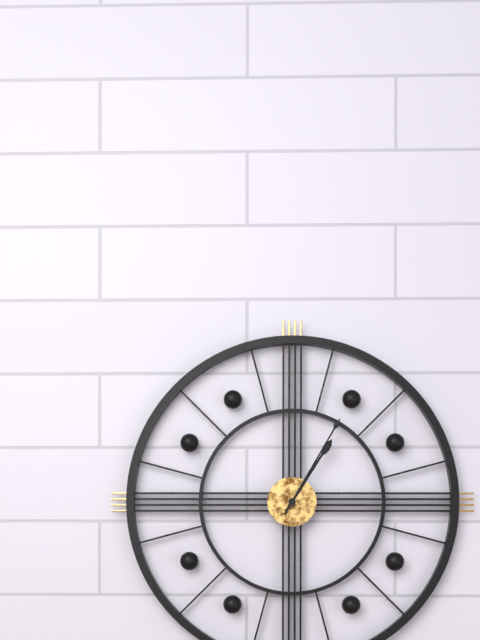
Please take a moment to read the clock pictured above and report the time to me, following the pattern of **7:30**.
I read **1:05**
